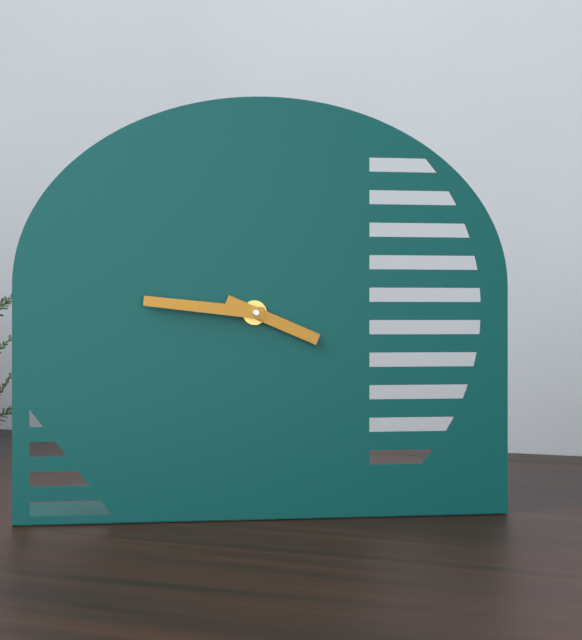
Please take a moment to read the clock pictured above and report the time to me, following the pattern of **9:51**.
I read **3:46**
